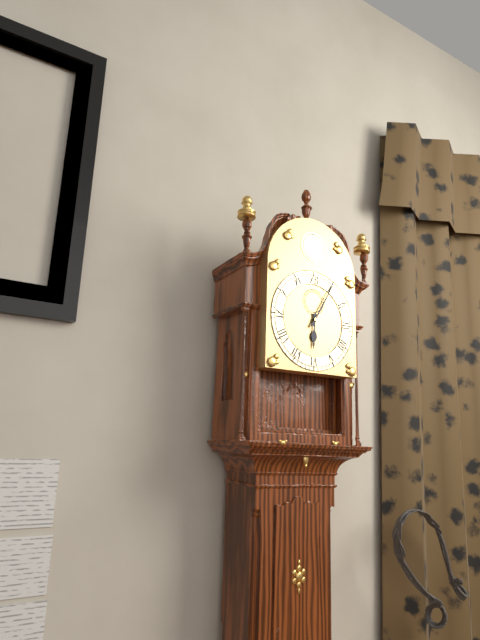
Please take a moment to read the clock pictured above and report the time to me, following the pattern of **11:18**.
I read **6:05**
